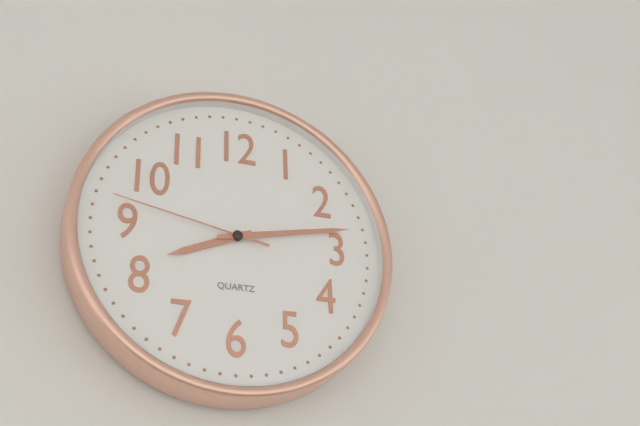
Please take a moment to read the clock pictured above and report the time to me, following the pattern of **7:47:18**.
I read **8:13:47**
